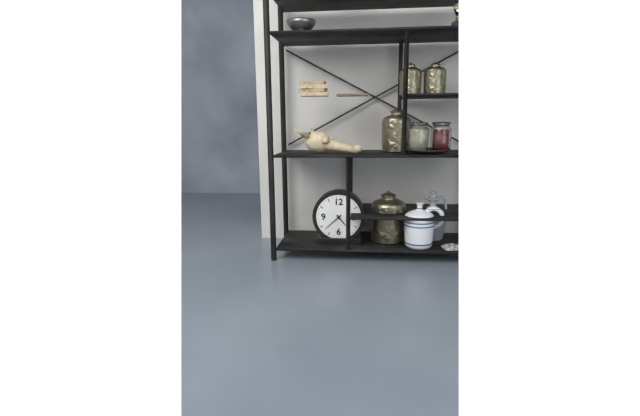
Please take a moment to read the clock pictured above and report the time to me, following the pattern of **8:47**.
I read **4:38**
